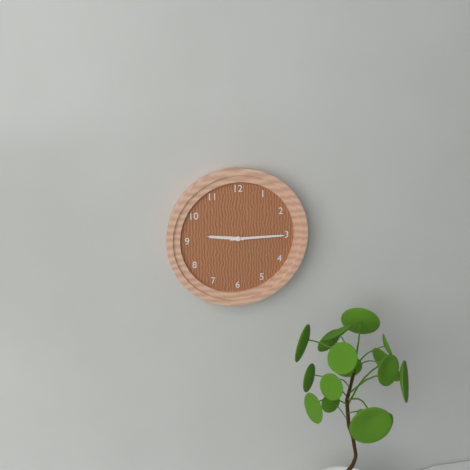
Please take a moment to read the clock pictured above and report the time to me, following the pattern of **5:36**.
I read **9:15**
